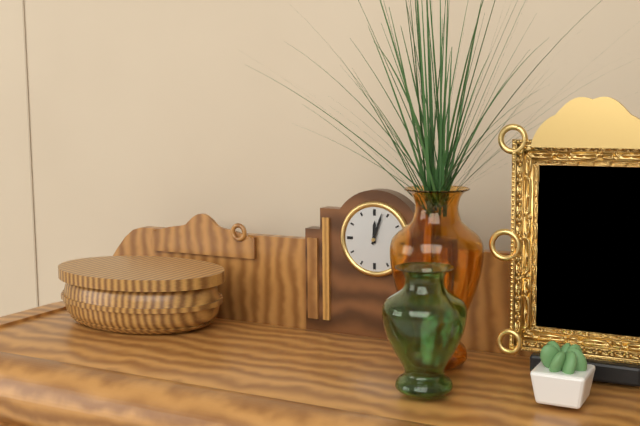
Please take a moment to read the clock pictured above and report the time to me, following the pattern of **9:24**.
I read **12:03**
